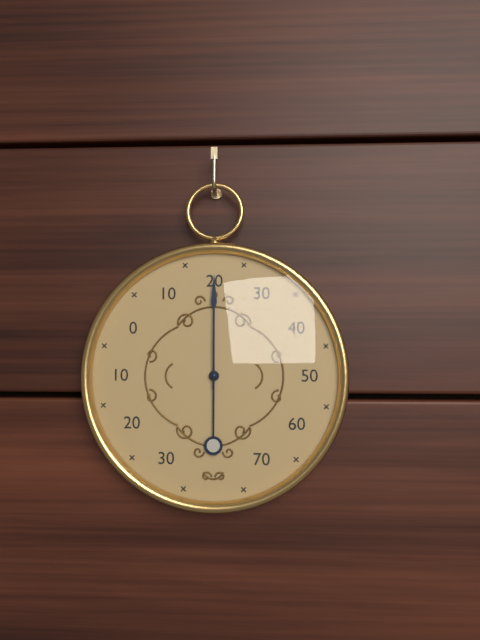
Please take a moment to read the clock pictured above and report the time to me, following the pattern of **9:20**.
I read **6:00**
